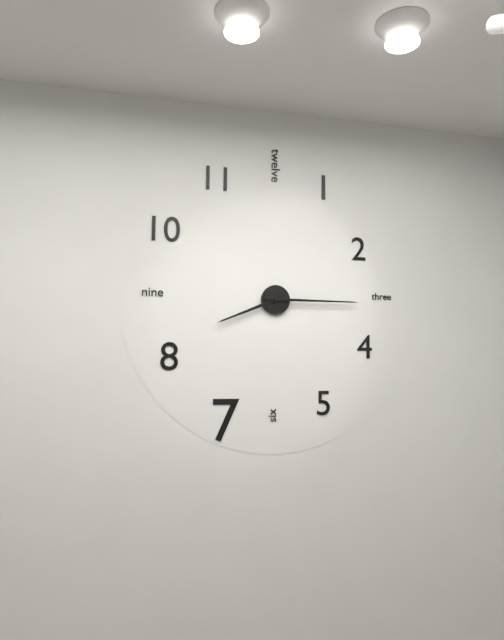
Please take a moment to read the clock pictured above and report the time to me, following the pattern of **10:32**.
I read **8:15**
